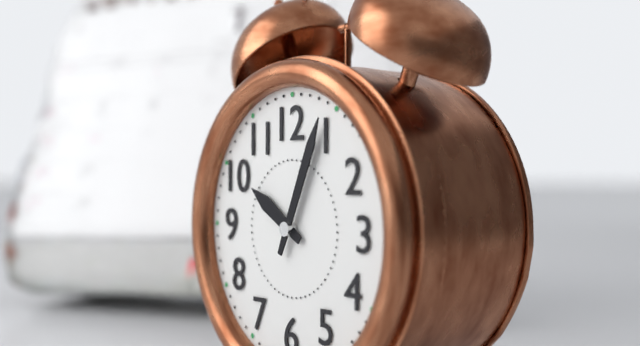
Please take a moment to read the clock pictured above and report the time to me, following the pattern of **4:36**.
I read **10:04**
